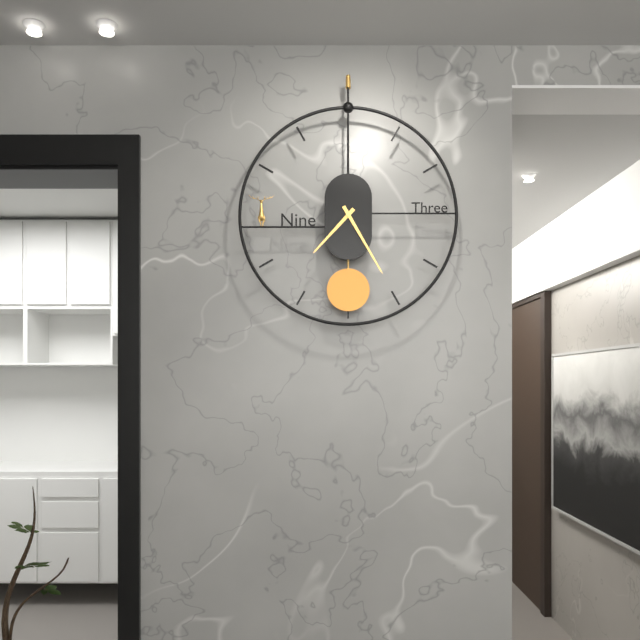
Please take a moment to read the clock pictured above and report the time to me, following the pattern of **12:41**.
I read **7:25**
